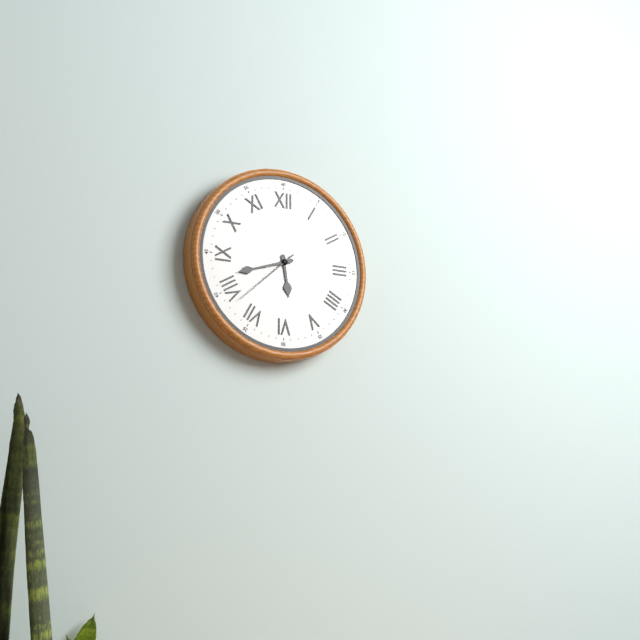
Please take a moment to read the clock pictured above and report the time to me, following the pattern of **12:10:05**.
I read **5:42:38**
